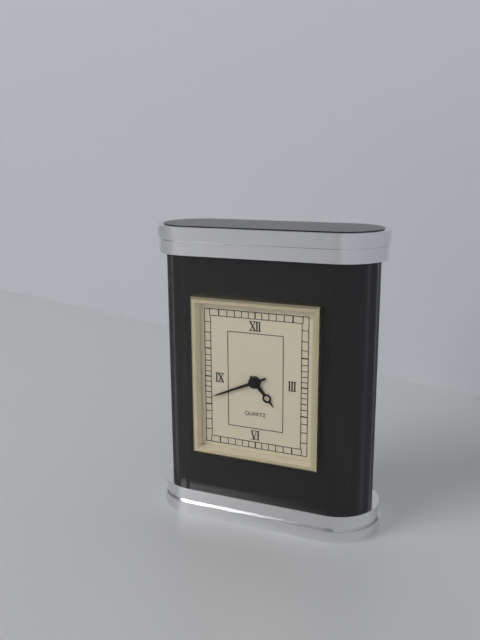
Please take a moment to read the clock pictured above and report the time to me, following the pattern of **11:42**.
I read **4:41**
